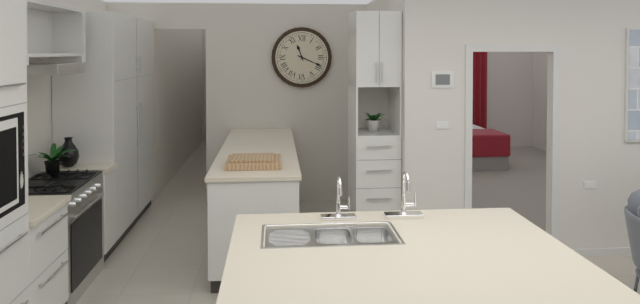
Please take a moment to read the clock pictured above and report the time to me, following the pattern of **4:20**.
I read **11:19**
